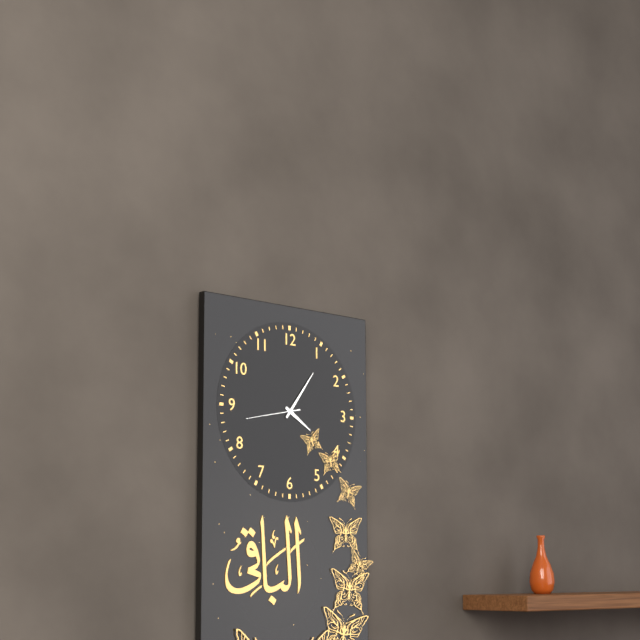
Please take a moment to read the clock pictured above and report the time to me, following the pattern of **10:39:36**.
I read **4:06:43**
